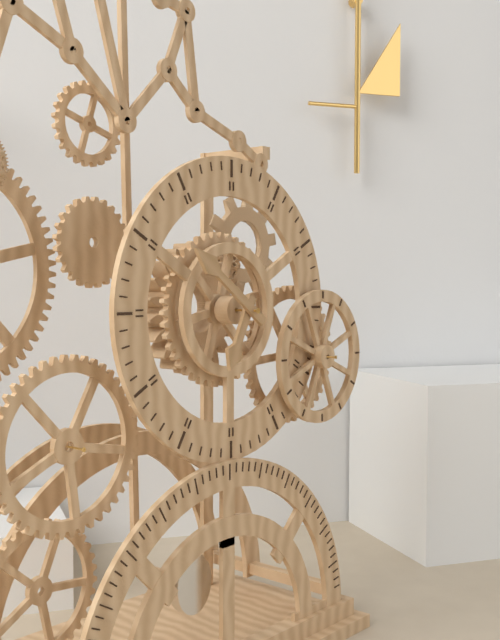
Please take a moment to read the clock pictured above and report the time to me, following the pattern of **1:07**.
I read **6:51**
